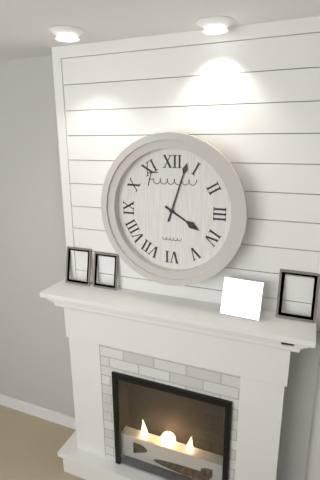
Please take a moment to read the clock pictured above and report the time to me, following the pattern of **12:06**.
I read **4:03**
